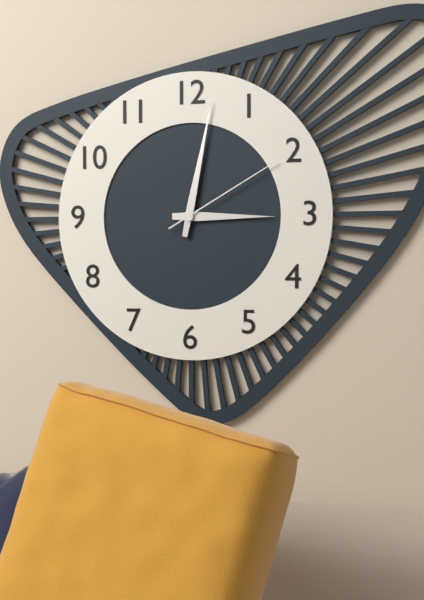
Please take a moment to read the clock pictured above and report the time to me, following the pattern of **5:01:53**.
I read **3:02:10**
